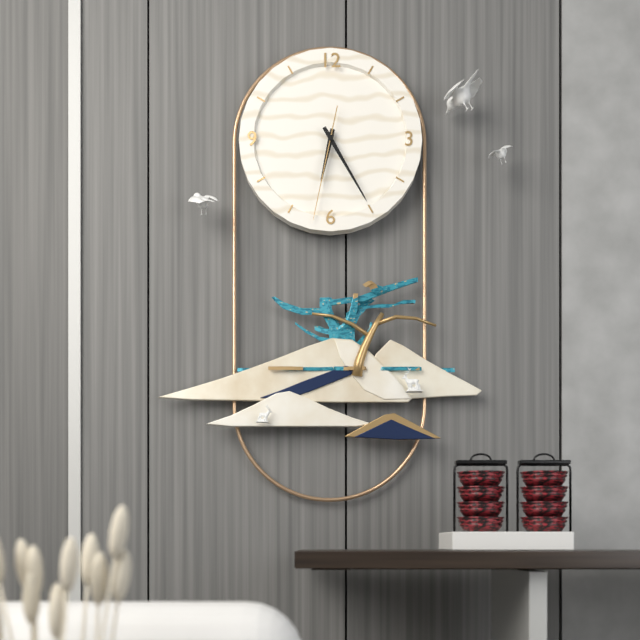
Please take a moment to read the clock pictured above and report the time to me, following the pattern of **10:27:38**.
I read **6:25:32**
